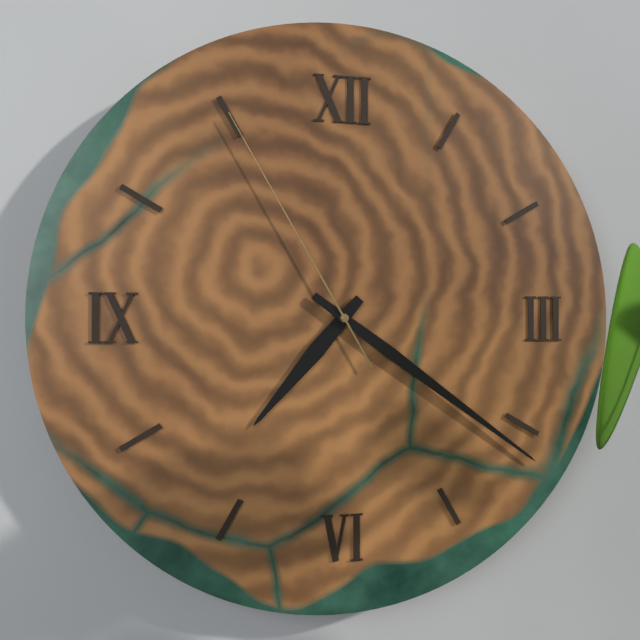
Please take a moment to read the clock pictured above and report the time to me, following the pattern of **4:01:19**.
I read **7:21:55**
